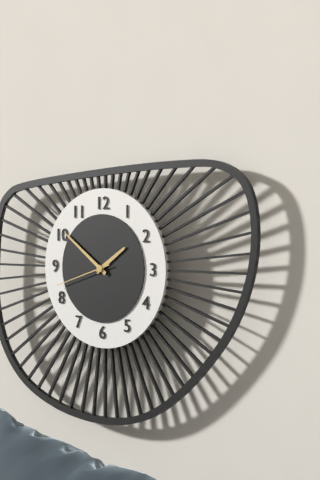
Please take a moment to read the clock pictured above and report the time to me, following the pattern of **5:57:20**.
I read **1:51:42**
